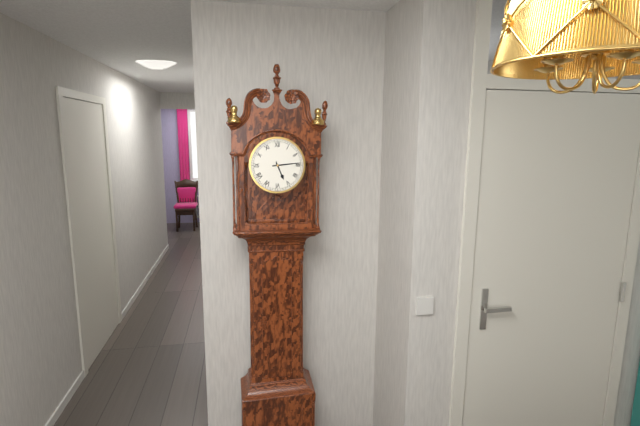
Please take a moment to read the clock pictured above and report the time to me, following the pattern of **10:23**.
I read **5:14**
